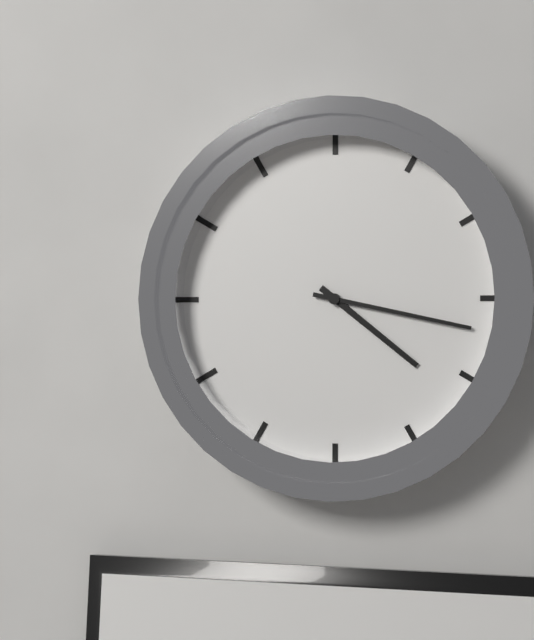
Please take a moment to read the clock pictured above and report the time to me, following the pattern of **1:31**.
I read **4:17**
